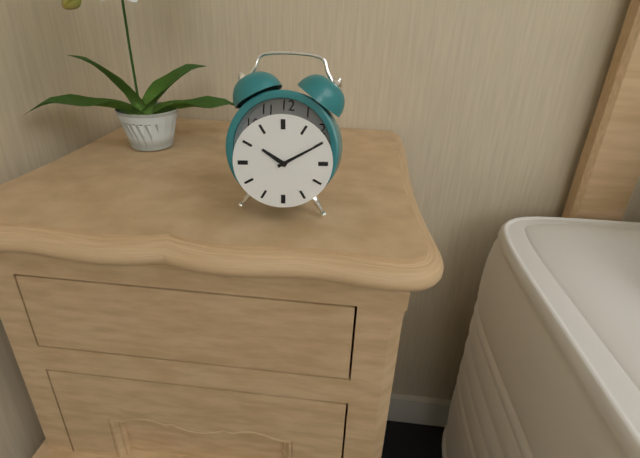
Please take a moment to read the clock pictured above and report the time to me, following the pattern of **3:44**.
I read **10:10**
